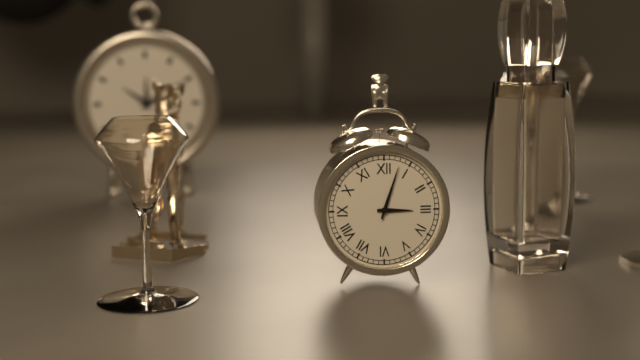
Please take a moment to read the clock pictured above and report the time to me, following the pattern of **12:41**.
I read **3:03**
